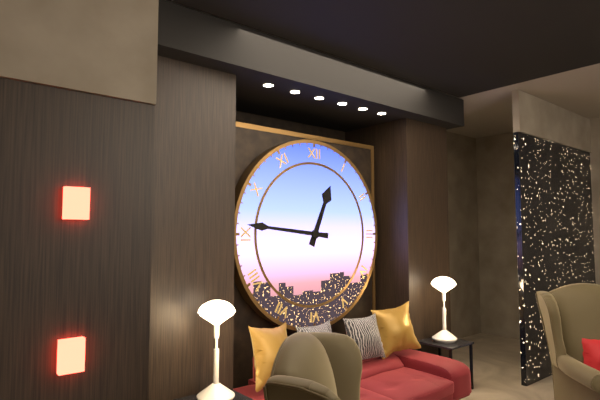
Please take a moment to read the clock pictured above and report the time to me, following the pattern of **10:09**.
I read **12:46**
